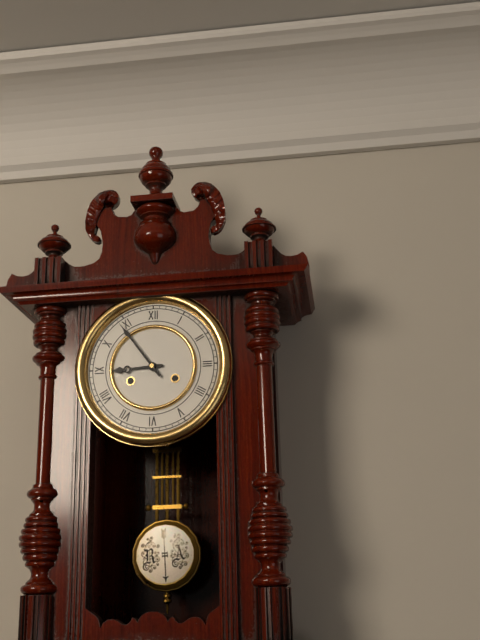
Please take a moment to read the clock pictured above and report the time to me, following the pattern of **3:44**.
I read **8:54**
